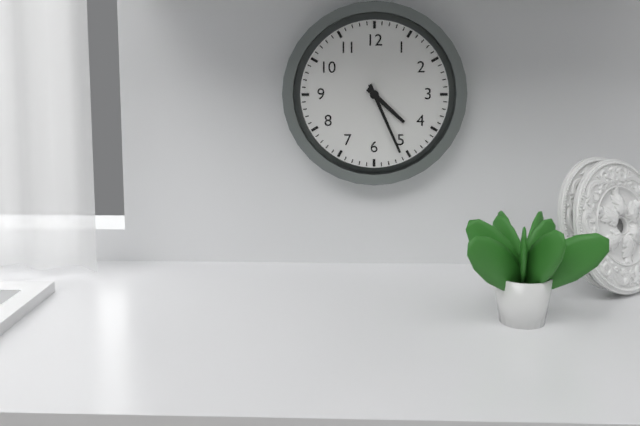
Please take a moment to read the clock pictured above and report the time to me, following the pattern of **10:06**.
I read **4:26**
